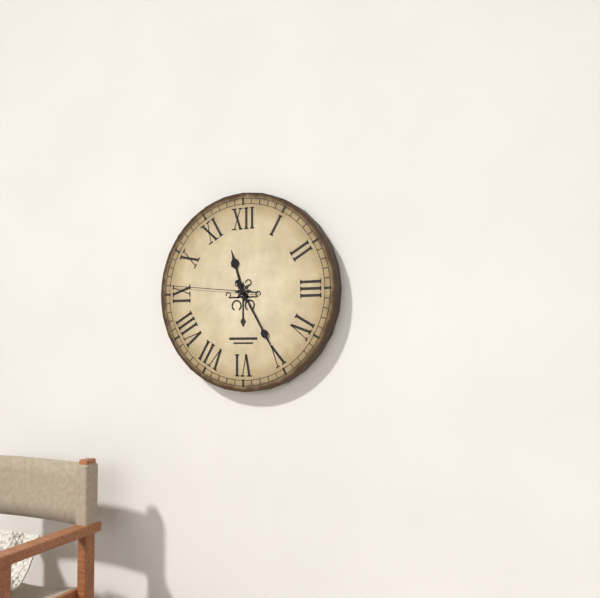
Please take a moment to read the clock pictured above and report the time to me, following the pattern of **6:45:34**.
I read **11:25:46**
